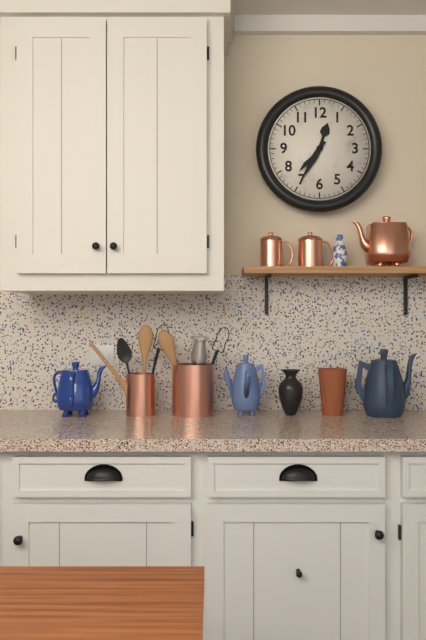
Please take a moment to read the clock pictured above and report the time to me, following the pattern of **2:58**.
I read **12:35**
